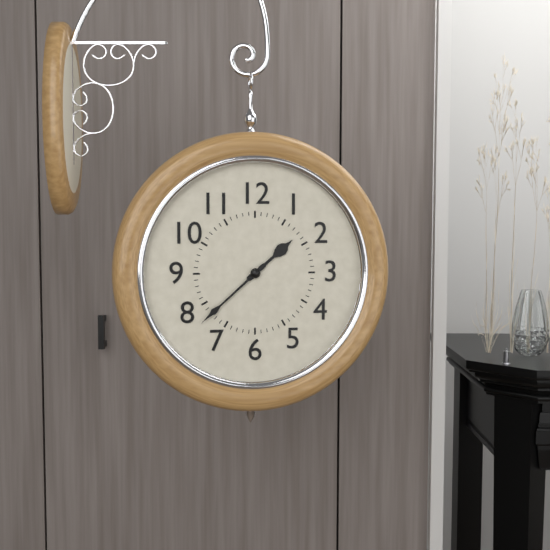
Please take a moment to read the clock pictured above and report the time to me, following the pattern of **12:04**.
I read **1:38**
